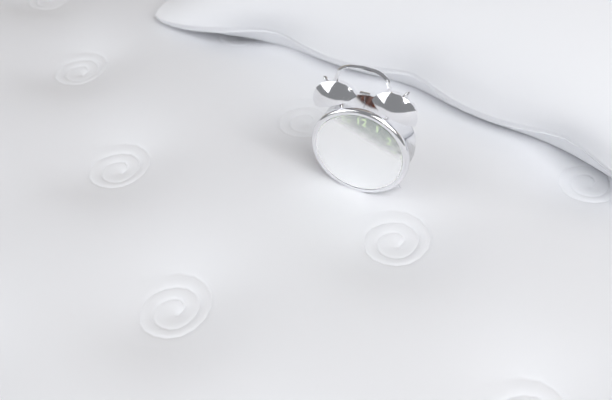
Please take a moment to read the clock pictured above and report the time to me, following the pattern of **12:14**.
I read **6:23**
